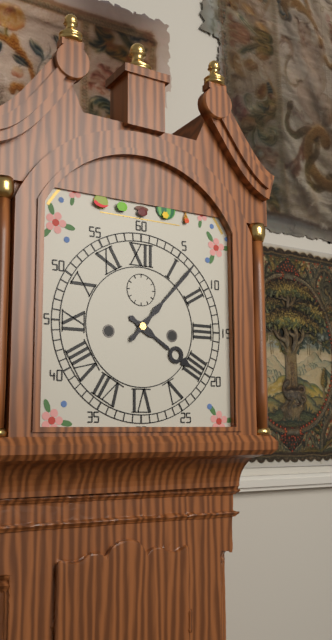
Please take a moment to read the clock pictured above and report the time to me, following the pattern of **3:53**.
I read **4:07**
